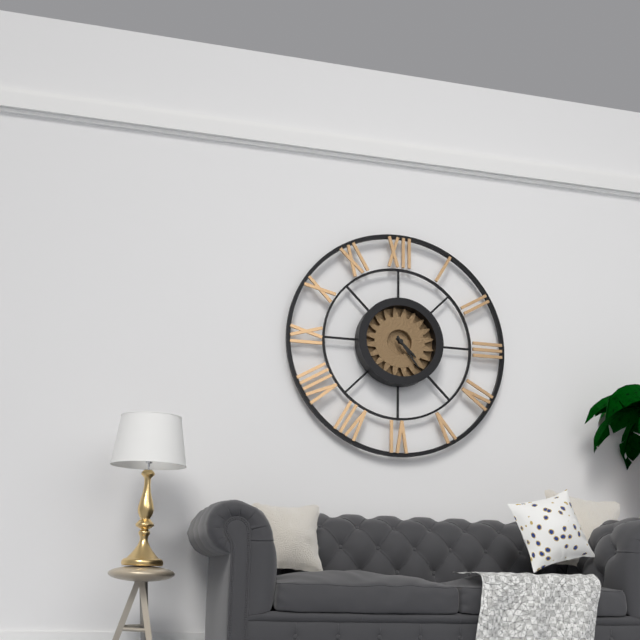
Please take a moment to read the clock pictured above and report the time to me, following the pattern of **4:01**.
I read **4:24**
